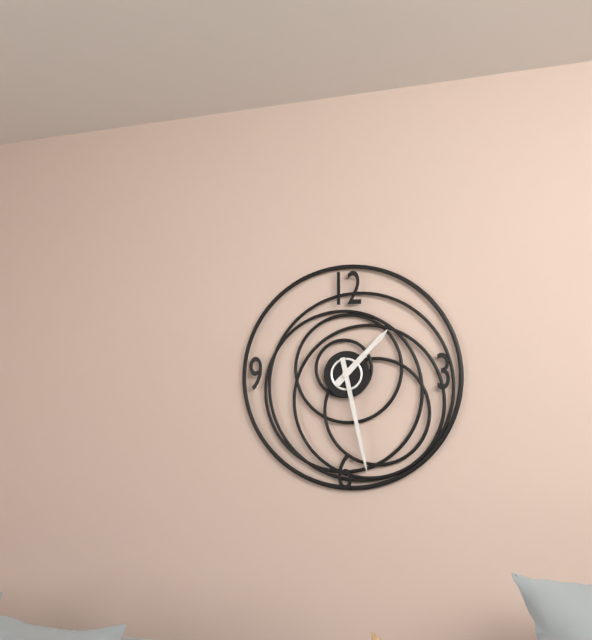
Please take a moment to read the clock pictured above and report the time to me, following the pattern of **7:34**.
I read **1:28**
